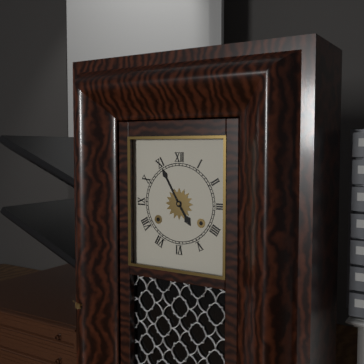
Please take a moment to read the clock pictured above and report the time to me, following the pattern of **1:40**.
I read **4:55**
